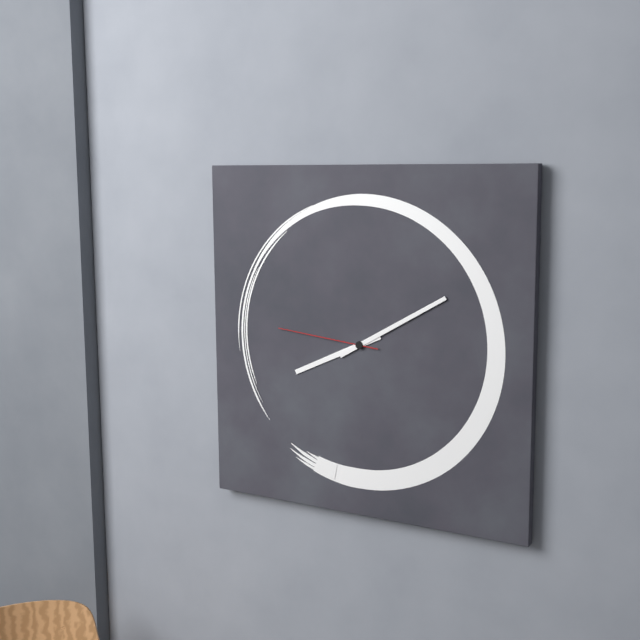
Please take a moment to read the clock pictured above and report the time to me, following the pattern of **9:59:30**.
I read **8:10:46**
